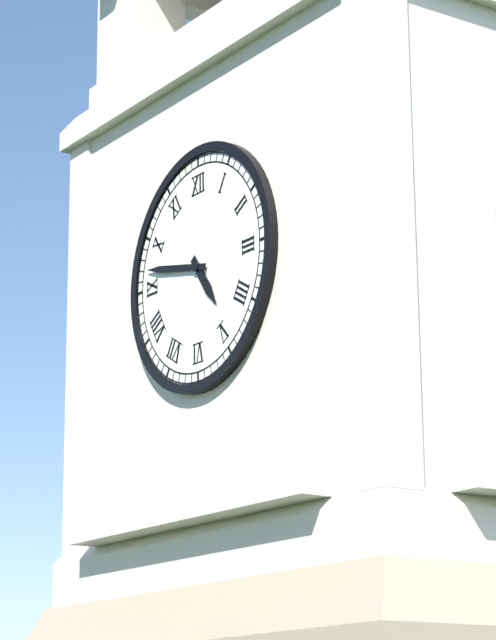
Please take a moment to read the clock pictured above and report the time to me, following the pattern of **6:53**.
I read **4:47**
